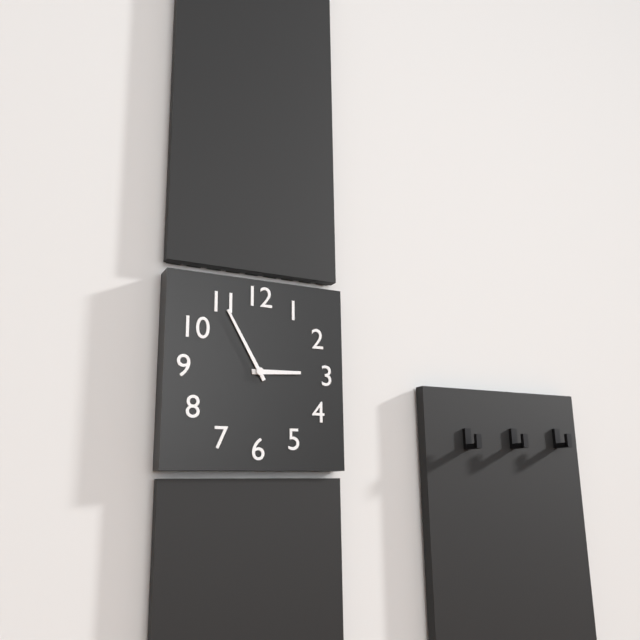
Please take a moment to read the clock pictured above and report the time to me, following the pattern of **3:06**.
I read **2:55**
